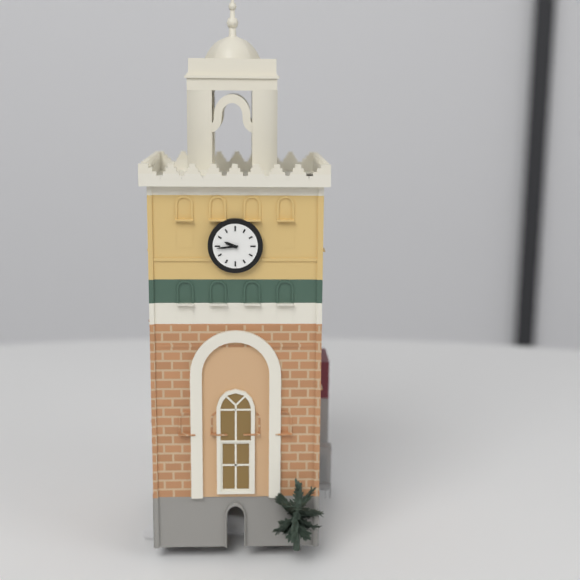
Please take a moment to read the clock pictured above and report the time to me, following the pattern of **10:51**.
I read **9:44**
